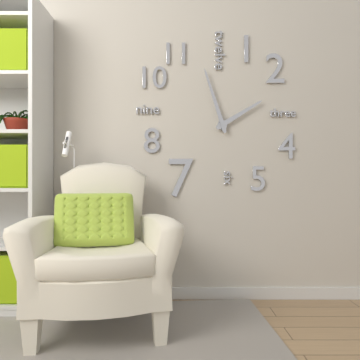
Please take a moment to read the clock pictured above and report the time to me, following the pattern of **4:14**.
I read **1:57**
